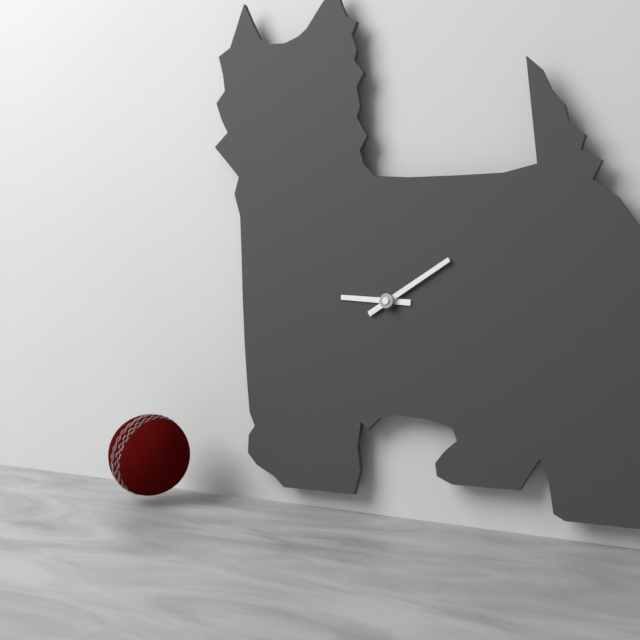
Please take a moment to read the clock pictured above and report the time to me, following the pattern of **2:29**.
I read **9:10**
